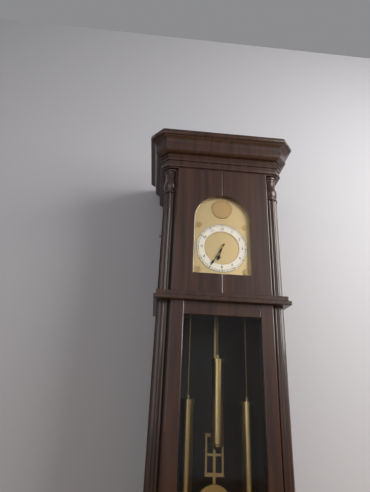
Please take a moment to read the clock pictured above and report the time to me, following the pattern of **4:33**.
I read **6:35**
